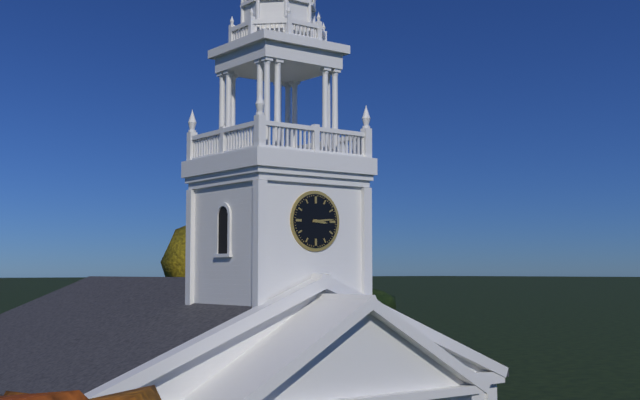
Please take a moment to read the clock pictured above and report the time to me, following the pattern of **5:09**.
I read **3:14**
